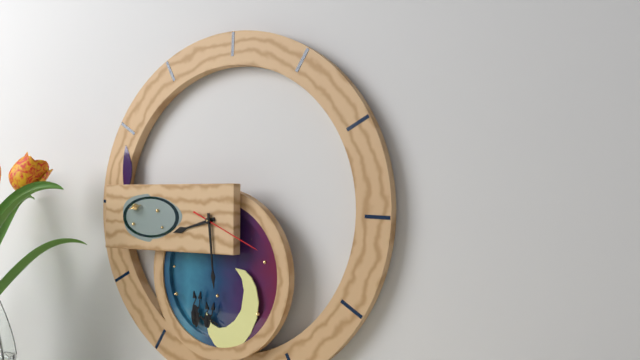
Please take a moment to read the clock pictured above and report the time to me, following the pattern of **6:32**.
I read **8:29**
